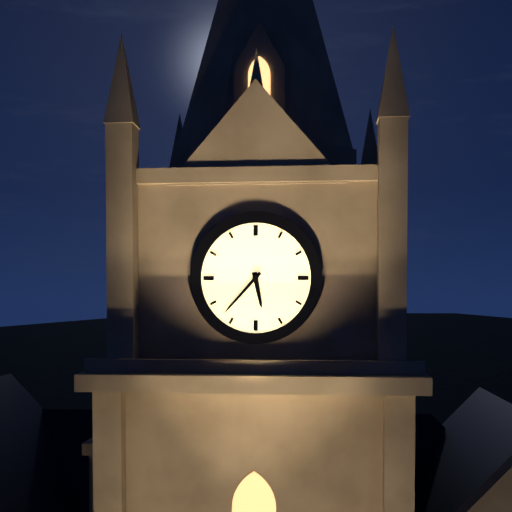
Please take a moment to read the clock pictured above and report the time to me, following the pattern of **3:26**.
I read **5:37**
